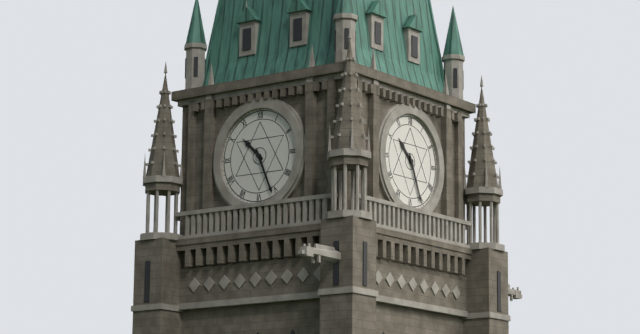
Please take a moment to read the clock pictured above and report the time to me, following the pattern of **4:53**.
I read **10:26**
